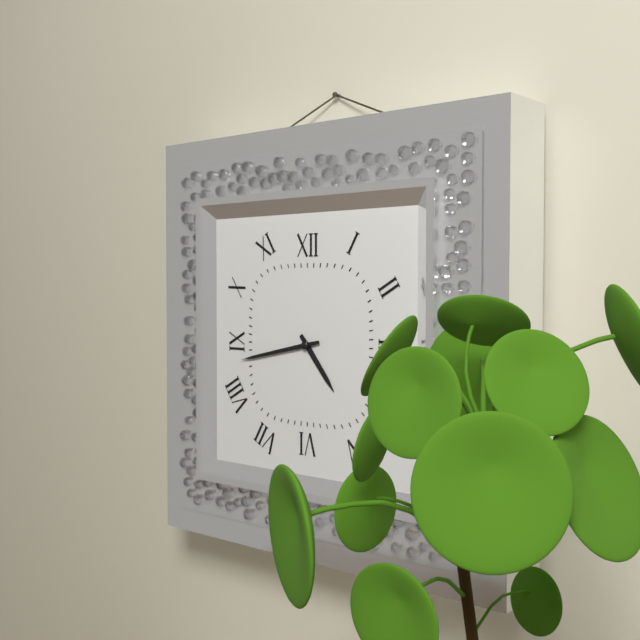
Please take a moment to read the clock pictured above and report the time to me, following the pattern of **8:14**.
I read **4:43**
